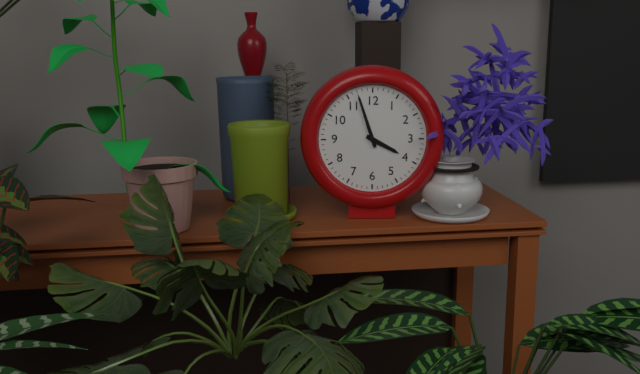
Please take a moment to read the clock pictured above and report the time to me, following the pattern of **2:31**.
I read **3:57**
